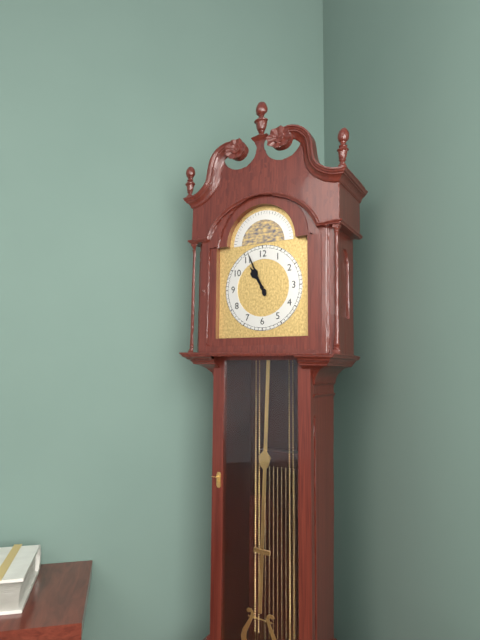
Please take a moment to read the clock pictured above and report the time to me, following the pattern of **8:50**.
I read **10:56**
